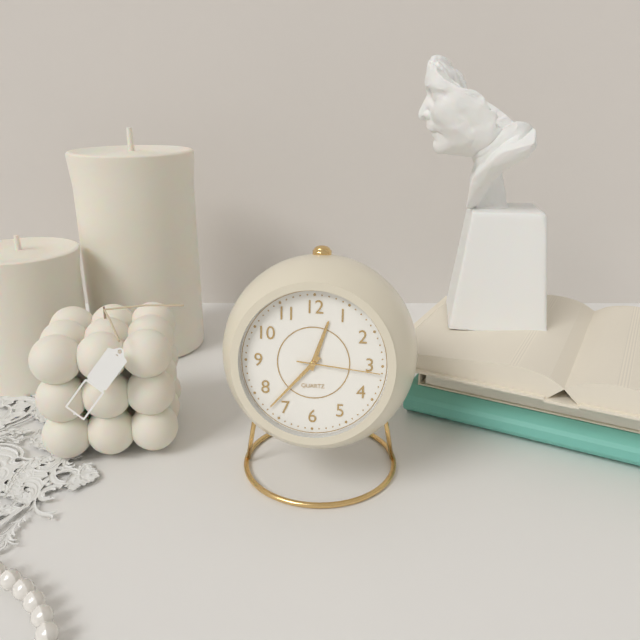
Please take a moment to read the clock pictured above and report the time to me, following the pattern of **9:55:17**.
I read **12:37:16**
